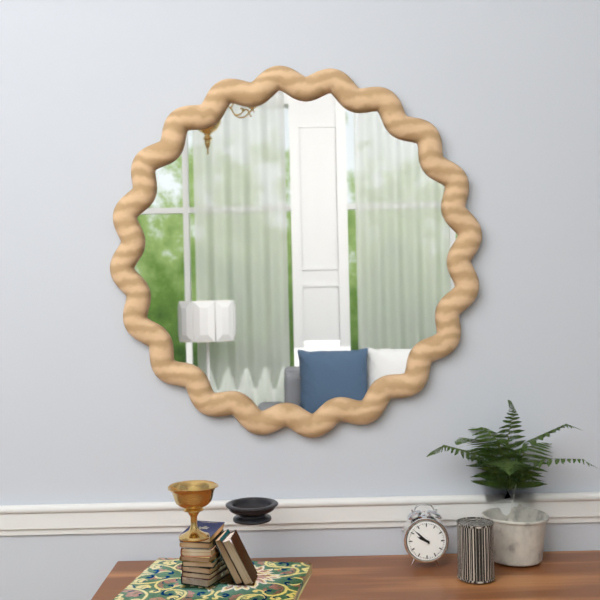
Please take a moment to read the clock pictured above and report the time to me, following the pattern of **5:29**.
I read **9:52**
